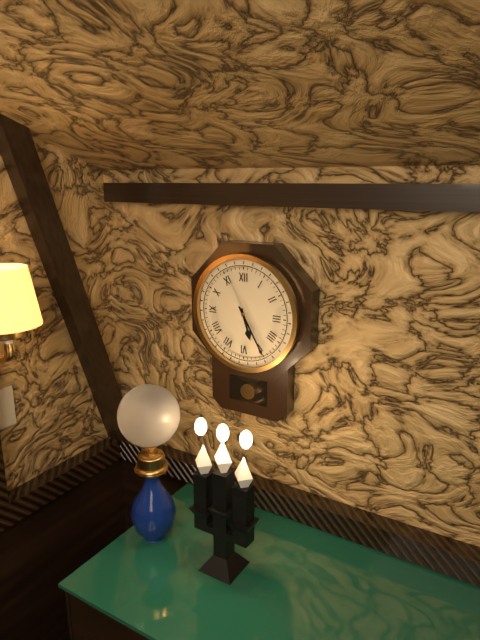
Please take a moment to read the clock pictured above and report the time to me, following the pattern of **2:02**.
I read **5:25**
